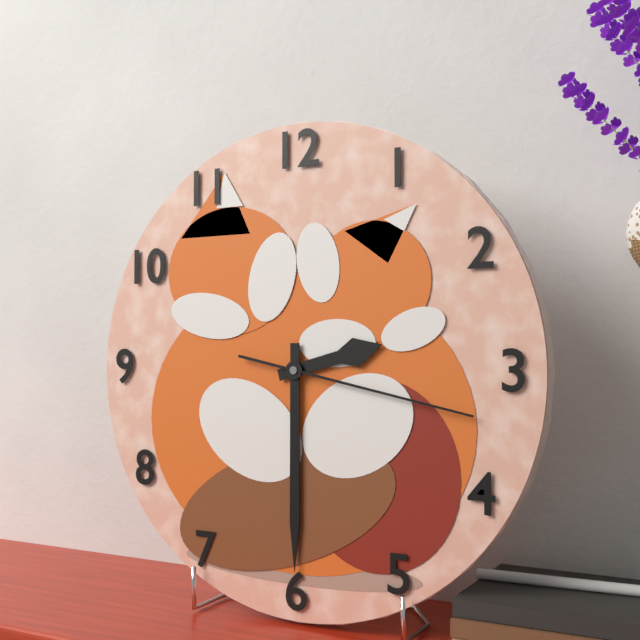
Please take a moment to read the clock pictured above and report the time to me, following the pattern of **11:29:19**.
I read **2:30:17**
